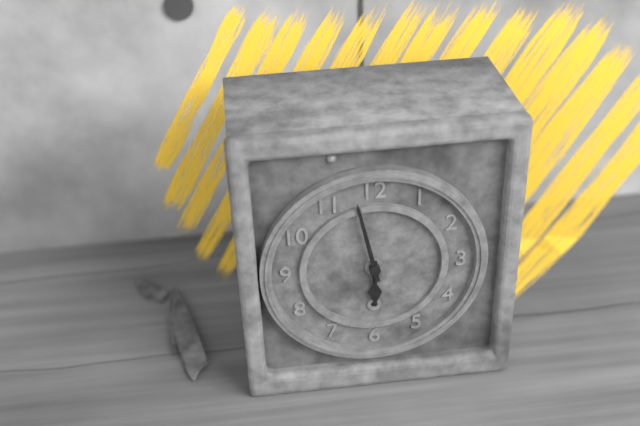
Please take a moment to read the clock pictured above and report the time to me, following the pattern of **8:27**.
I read **5:58**
